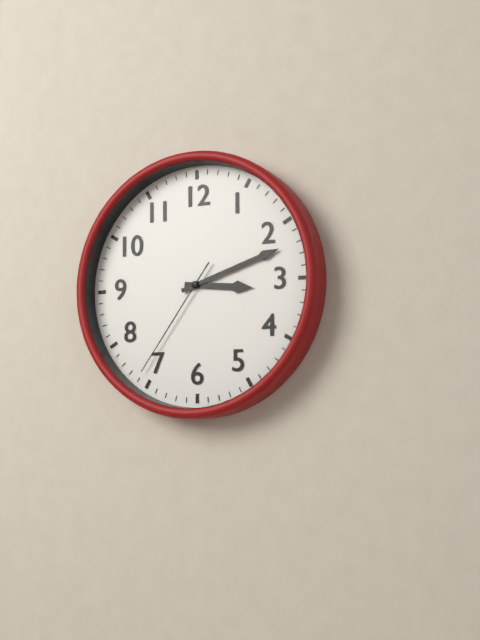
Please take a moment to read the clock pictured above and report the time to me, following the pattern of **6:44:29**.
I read **3:12:36**
